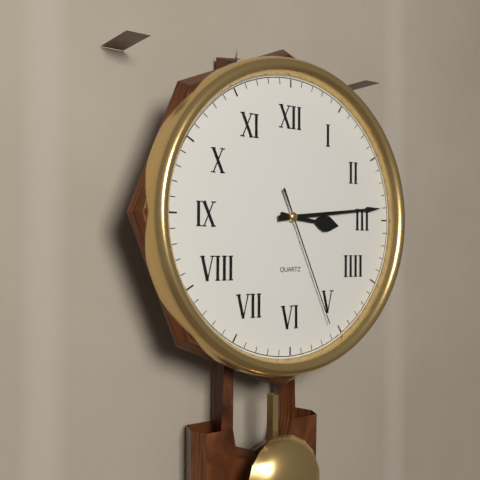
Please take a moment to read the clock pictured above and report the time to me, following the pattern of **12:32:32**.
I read **3:14:26**
